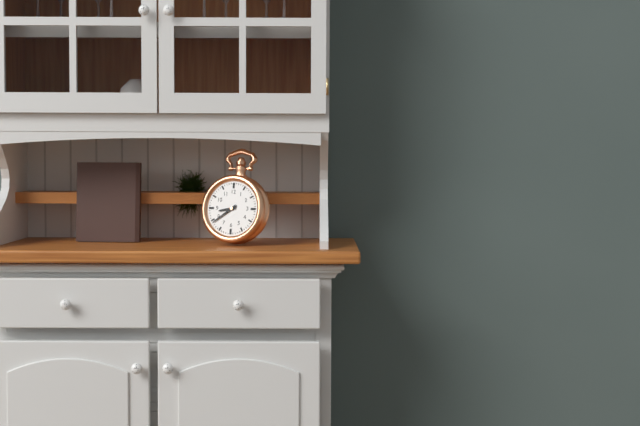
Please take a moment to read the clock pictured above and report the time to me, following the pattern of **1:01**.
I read **8:39**
